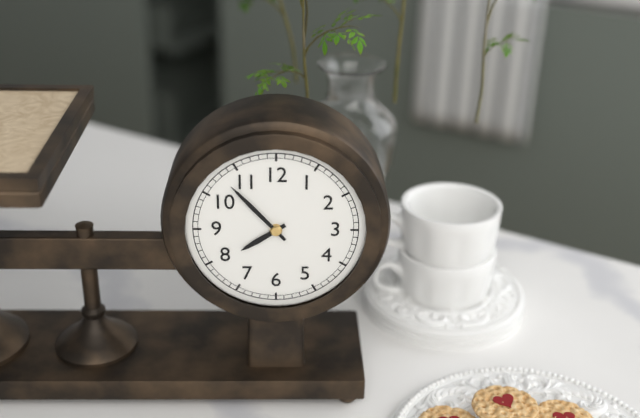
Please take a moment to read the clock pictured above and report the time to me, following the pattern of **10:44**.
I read **7:53**
